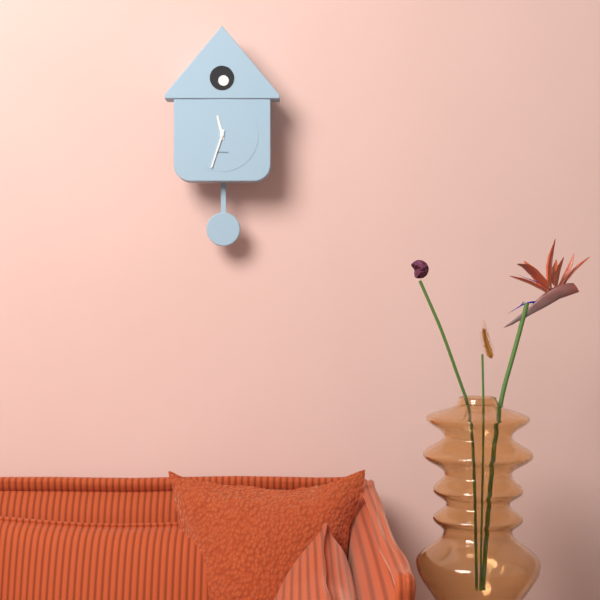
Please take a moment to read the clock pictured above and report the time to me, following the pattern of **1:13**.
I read **11:33**
